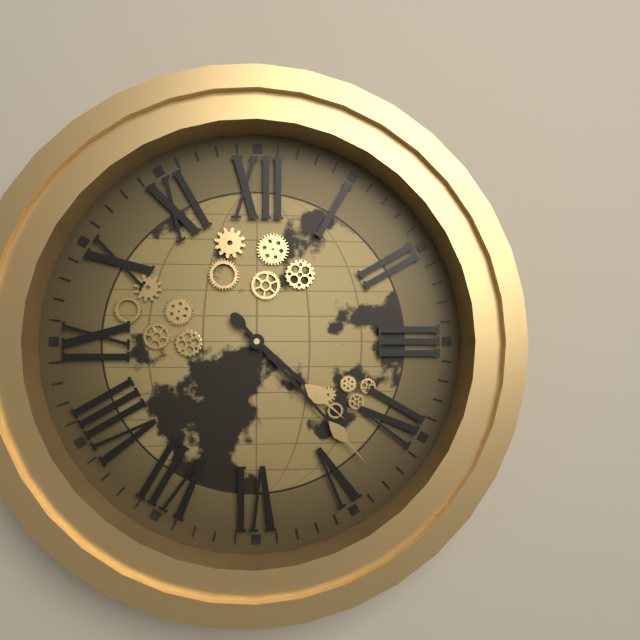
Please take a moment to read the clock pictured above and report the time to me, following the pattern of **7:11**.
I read **4:23**
